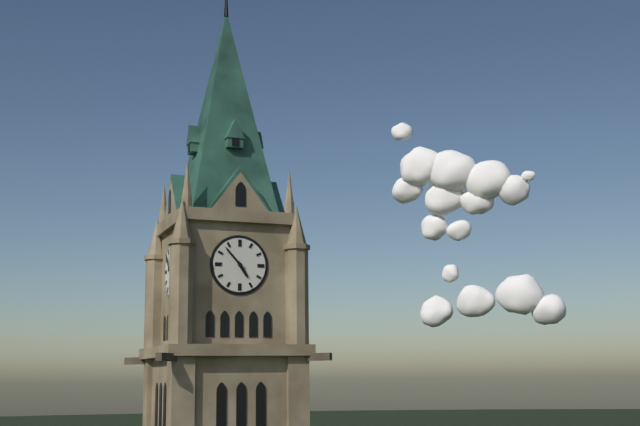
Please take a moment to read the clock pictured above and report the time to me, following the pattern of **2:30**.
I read **4:53**
